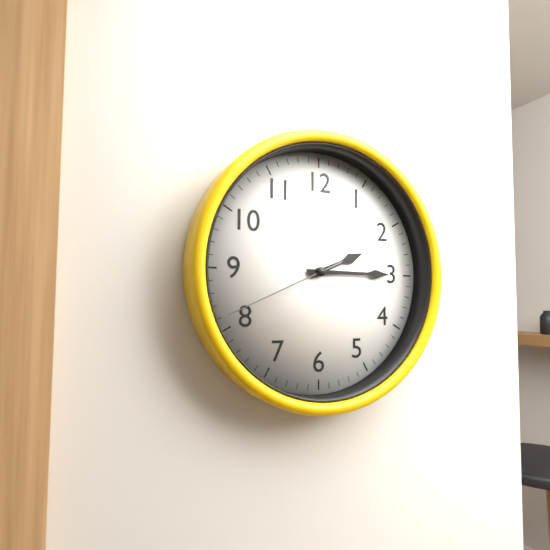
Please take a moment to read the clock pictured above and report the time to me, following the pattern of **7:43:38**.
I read **2:15:41**
